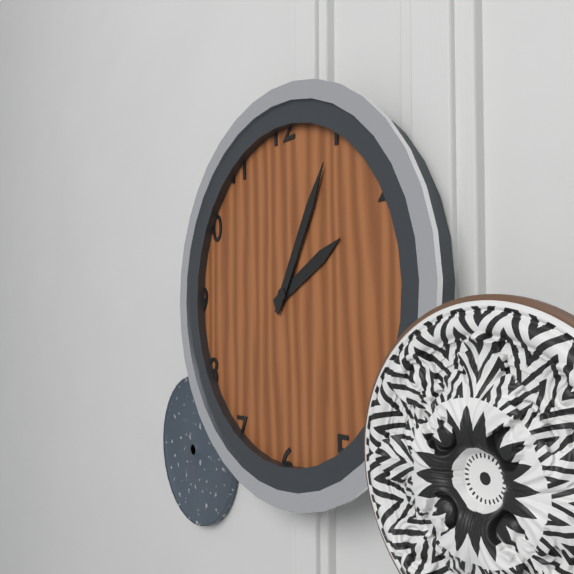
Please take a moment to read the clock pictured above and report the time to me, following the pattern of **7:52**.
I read **2:05**
